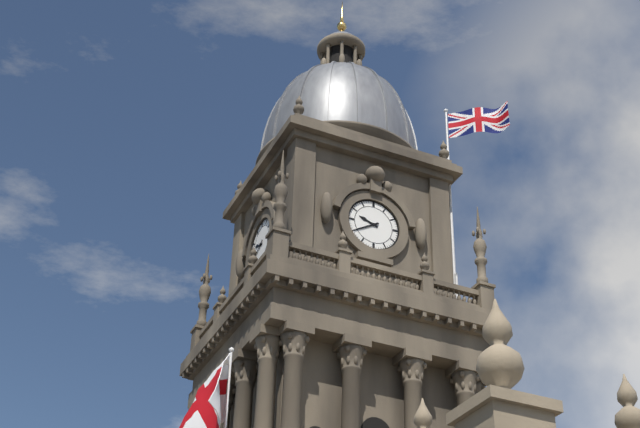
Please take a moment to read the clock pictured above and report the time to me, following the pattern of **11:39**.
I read **9:40**
